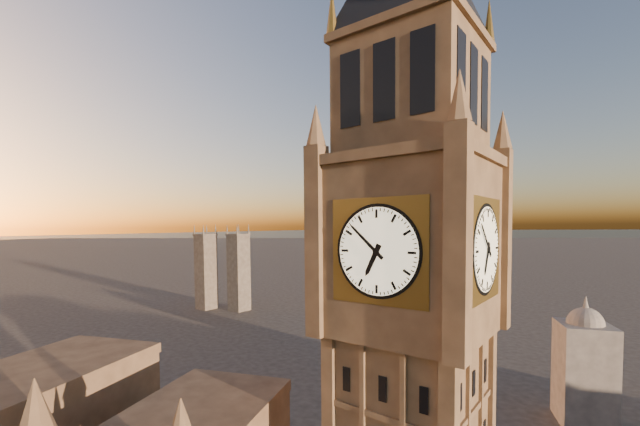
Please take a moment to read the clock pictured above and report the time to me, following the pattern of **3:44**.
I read **6:52**
